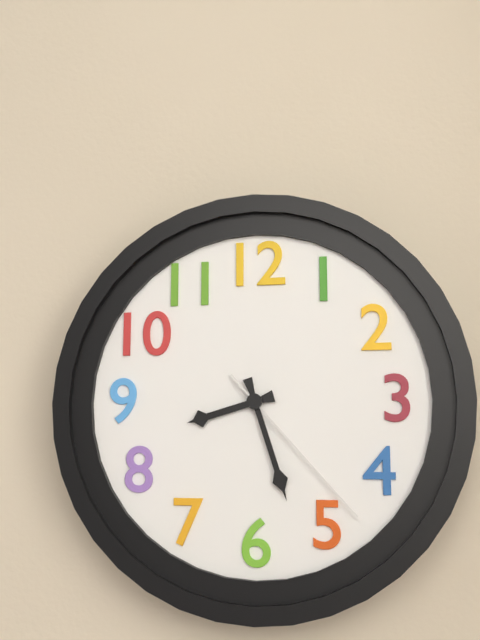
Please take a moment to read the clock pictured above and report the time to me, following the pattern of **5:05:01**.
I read **8:27:23**
